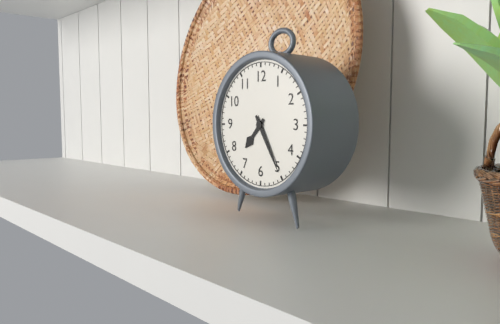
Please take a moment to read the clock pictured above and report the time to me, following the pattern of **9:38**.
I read **7:25**
